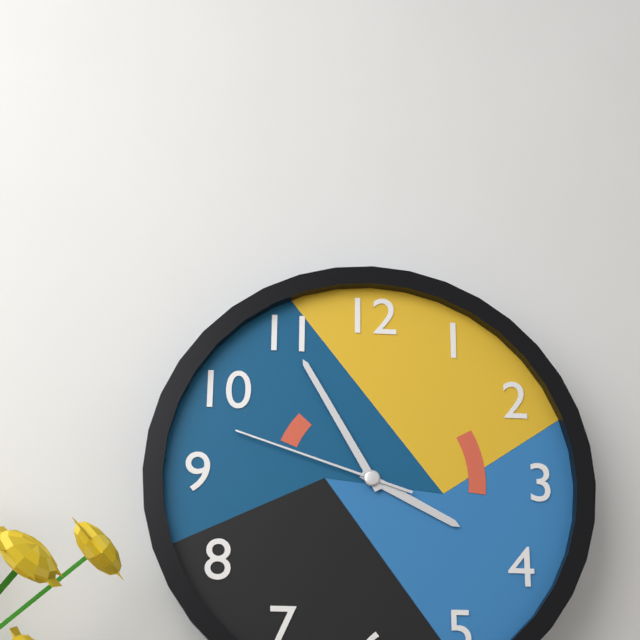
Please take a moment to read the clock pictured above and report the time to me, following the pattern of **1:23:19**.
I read **3:55:48**
